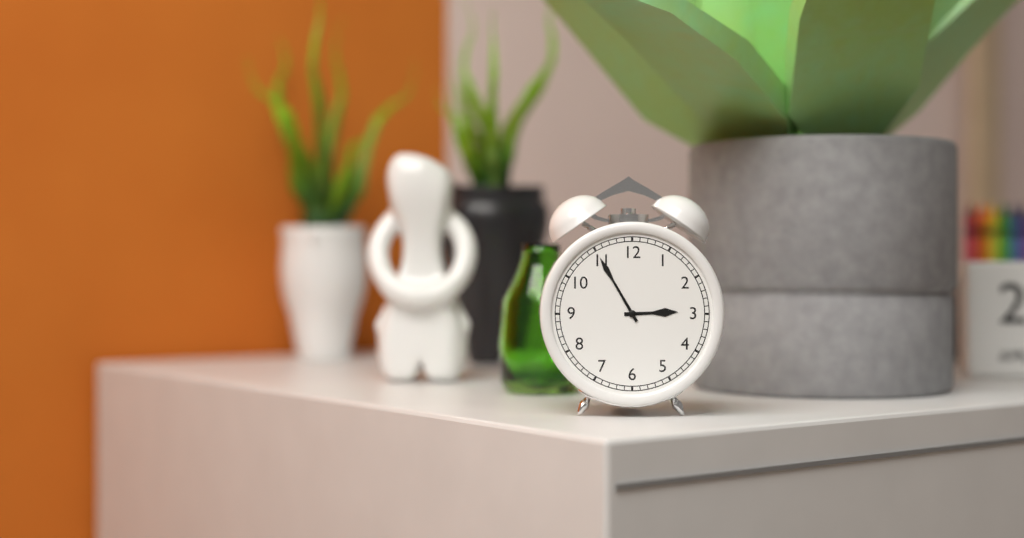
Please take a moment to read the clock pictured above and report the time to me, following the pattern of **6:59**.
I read **2:55**
